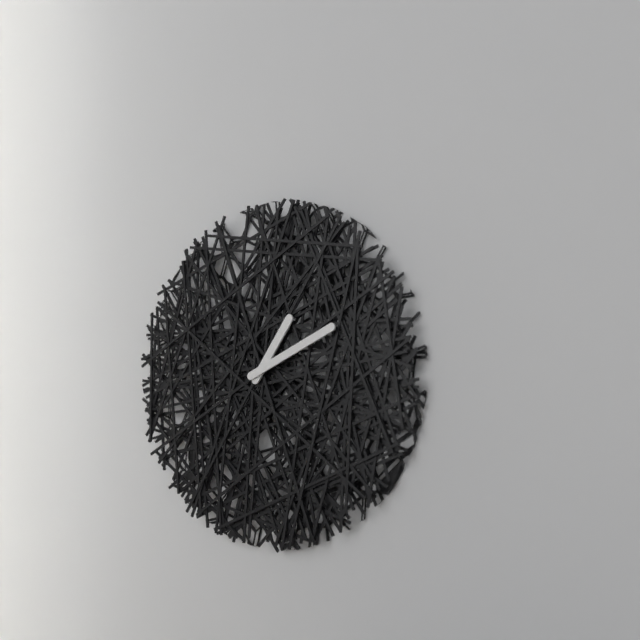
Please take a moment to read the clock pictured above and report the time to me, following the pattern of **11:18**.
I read **1:11**
